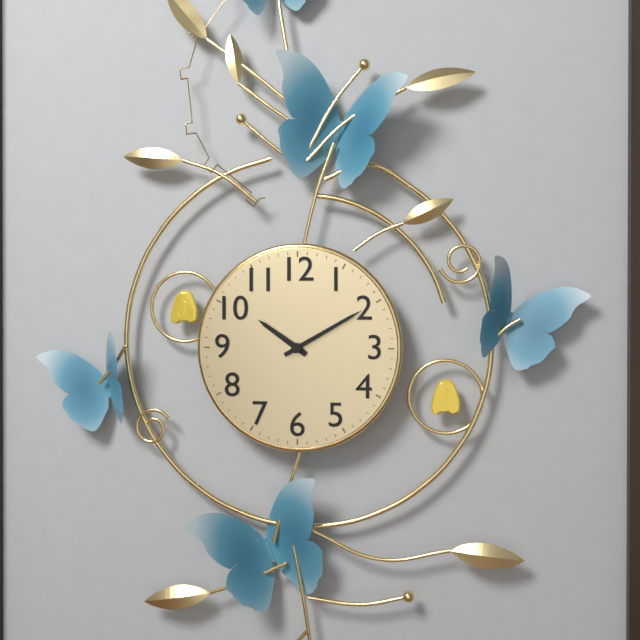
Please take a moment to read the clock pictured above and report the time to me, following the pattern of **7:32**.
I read **10:10**
